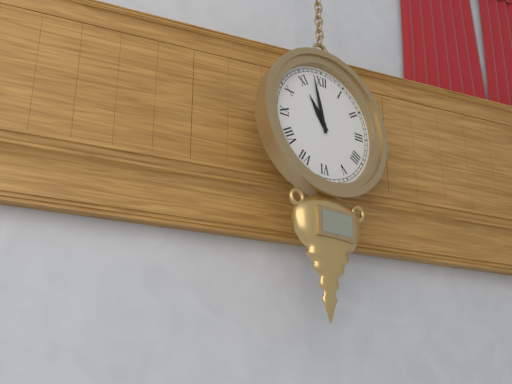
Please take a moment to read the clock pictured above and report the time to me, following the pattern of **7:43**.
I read **10:58**
